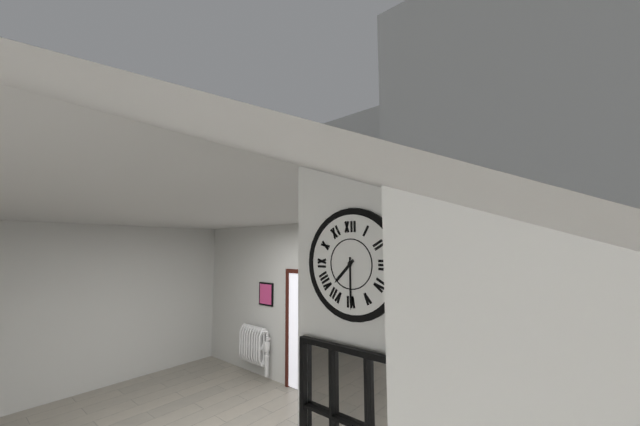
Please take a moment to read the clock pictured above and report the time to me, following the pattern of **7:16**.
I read **7:30**
